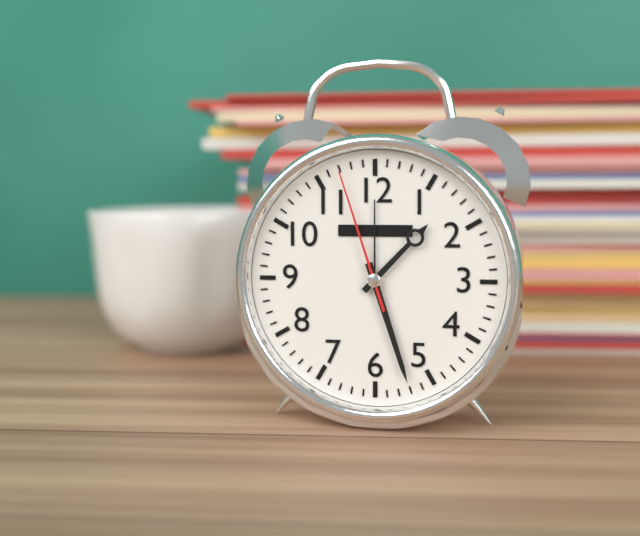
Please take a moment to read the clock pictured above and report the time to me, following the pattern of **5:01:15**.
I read **1:27:57**
